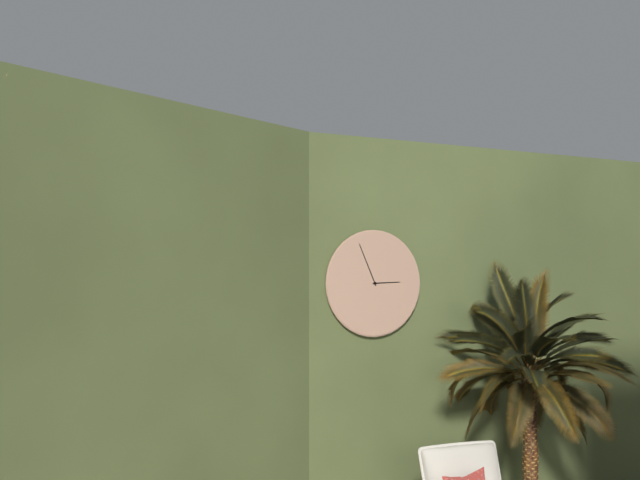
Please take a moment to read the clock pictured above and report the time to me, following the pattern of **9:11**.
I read **2:56**
